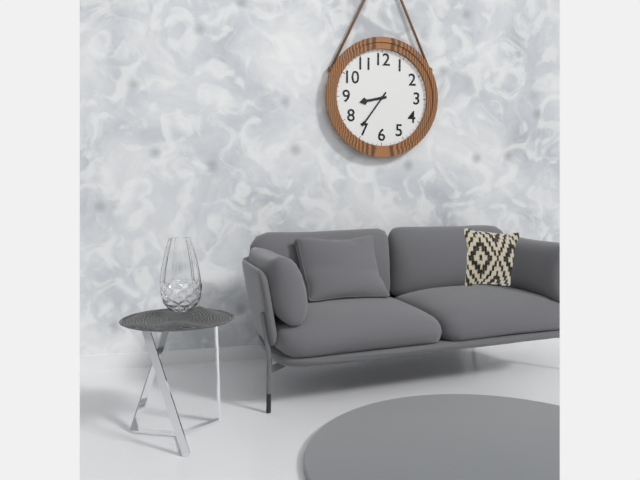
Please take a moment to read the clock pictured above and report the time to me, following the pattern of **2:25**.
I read **8:36**
